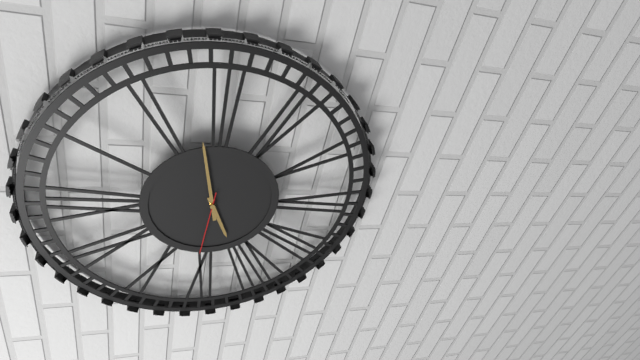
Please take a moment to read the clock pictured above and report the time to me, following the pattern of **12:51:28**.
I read **8:13:46**
